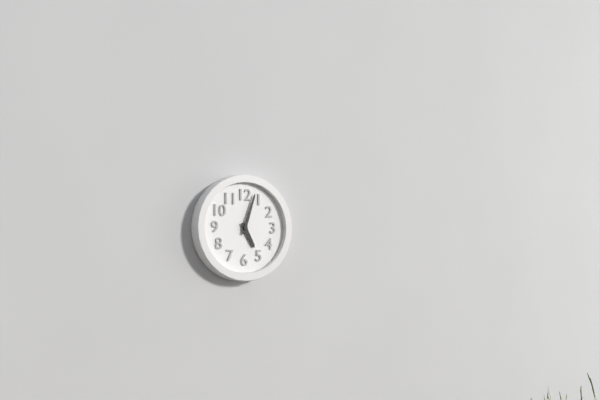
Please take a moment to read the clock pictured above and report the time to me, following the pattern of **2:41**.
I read **5:03**
